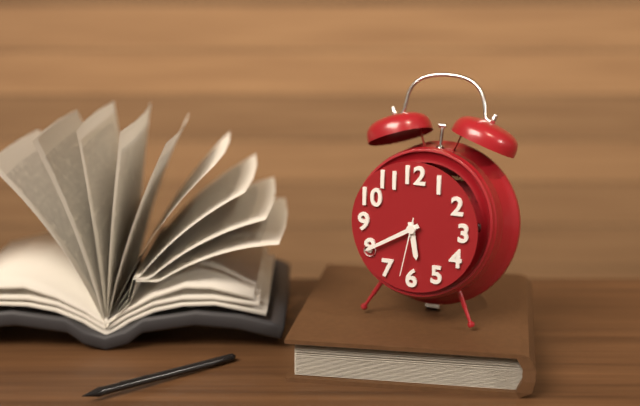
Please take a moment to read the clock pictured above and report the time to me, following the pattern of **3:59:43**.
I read **5:40:32**
